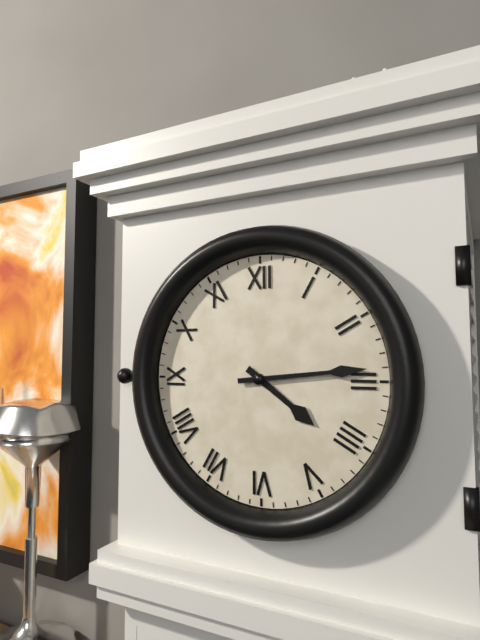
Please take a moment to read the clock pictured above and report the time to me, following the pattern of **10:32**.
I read **4:14**
